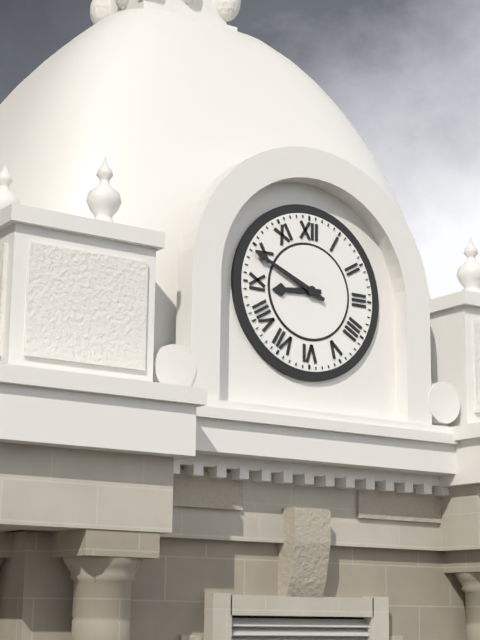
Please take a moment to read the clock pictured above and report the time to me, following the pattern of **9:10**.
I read **8:49**
